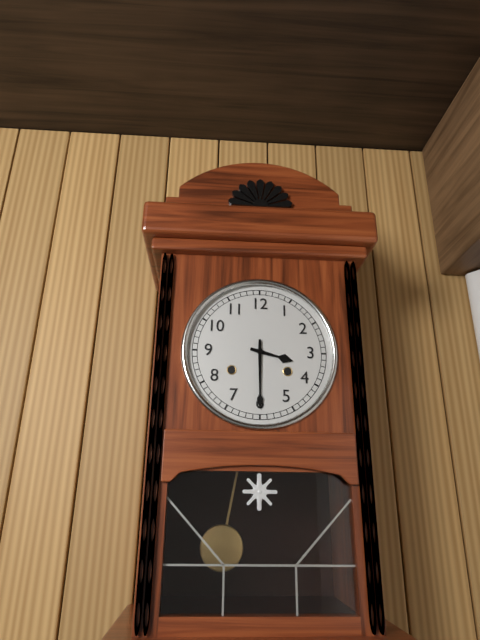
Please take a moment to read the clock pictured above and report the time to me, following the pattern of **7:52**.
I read **3:30**
